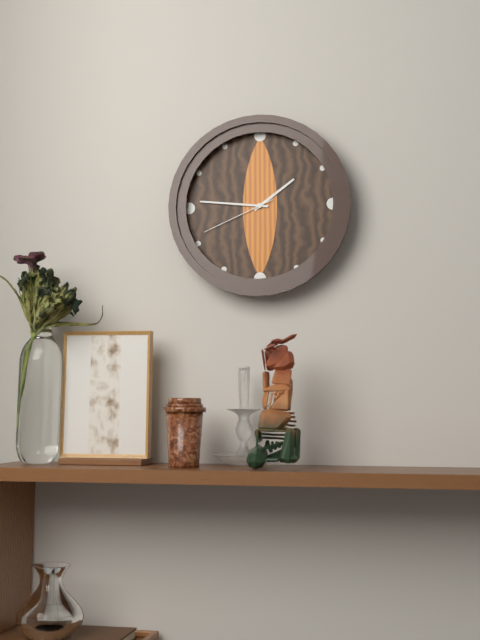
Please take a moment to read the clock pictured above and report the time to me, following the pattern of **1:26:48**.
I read **1:46:41**
